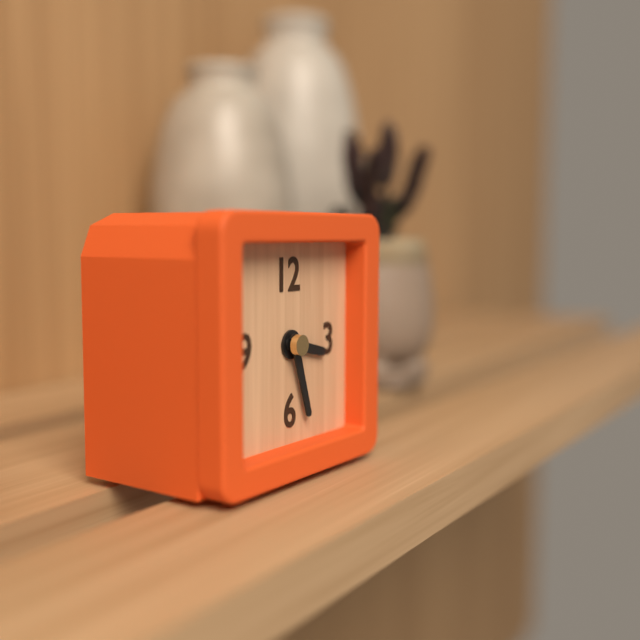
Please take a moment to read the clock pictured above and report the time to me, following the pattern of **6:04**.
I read **3:27**
